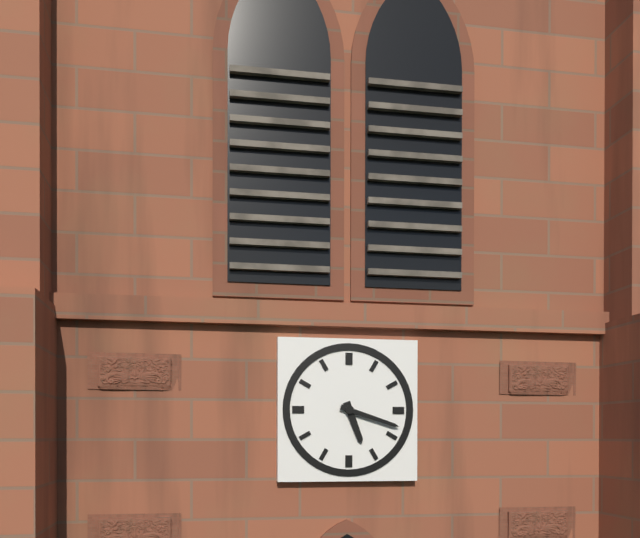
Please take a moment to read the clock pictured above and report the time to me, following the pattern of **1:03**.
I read **5:18**
